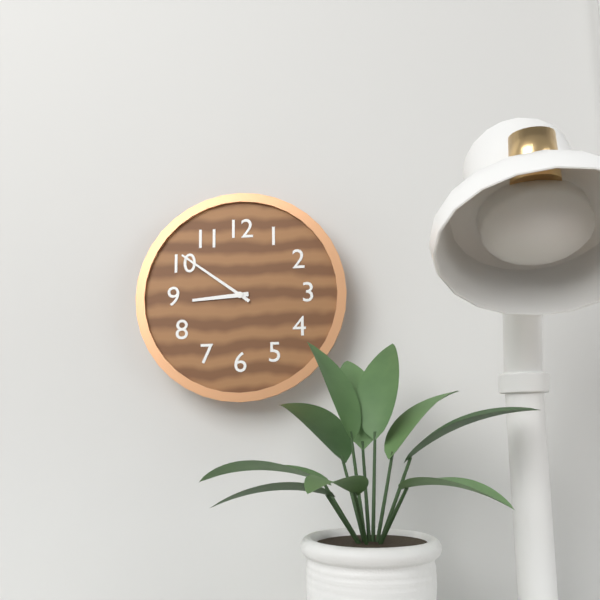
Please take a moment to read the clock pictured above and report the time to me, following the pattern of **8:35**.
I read **8:51**
